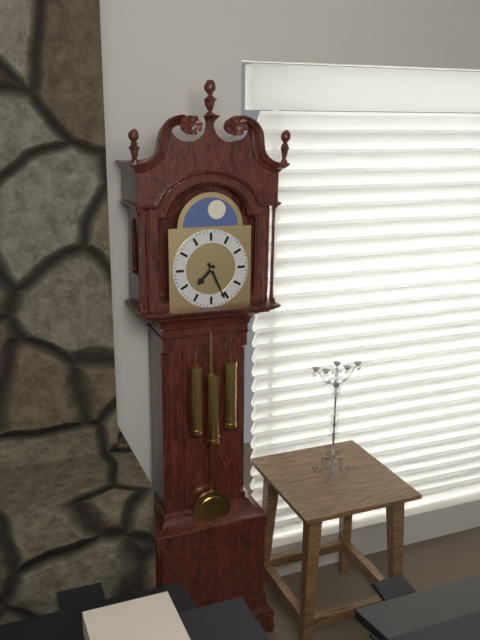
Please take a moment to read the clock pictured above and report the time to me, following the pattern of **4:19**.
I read **7:26**
